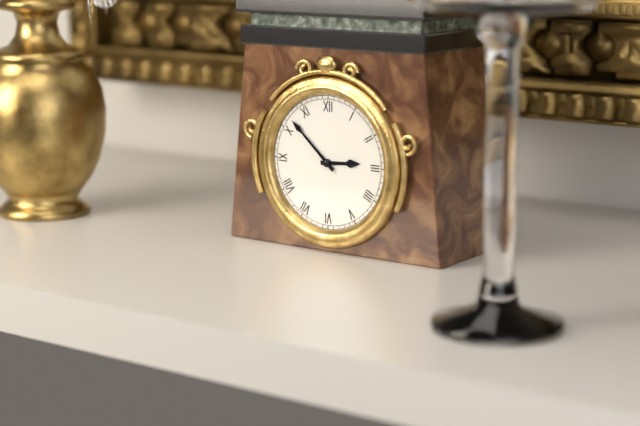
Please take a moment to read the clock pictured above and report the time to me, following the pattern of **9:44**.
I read **2:52**
